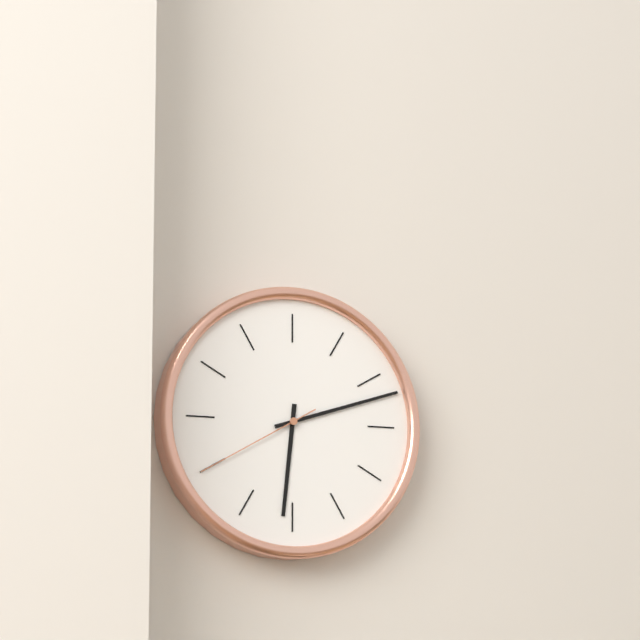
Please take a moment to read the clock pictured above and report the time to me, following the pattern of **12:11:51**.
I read **6:12:40**
